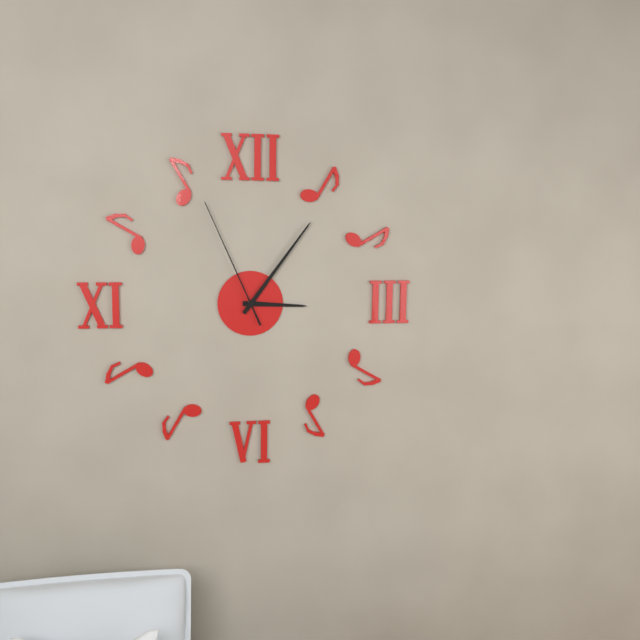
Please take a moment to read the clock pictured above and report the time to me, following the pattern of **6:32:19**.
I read **3:06:56**
